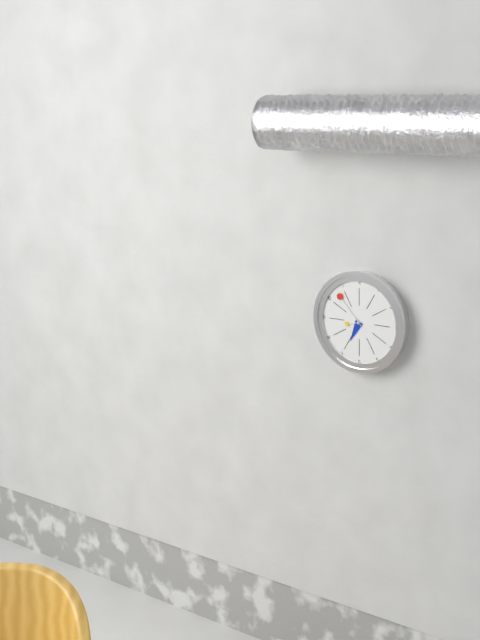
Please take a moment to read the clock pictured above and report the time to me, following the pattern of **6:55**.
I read **6:53**
